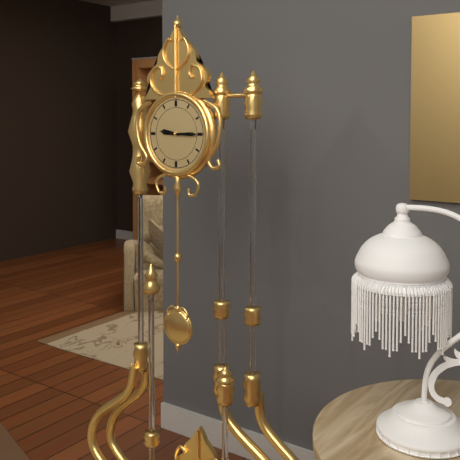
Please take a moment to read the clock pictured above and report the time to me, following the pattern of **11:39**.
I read **9:15**
